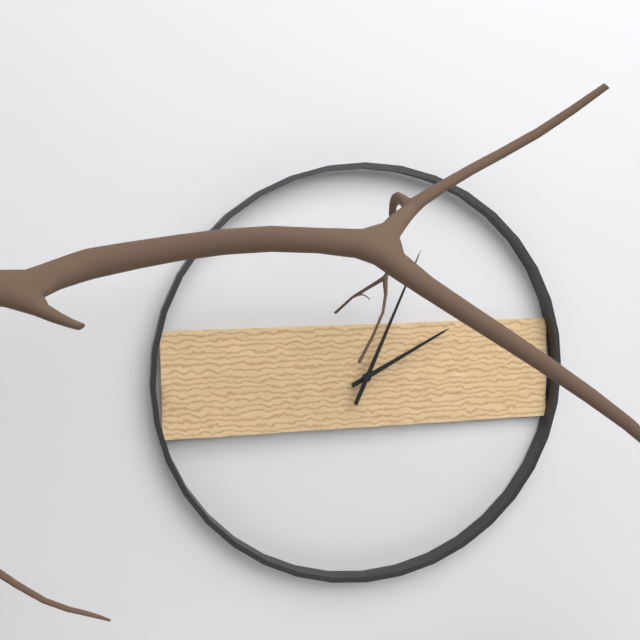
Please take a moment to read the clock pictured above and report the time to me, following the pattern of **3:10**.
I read **2:04**
